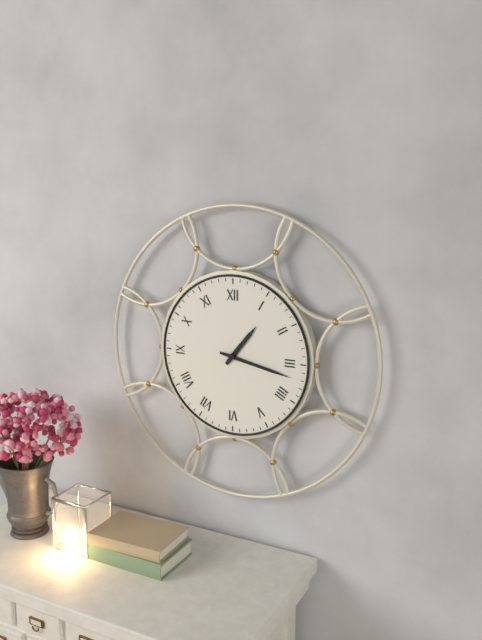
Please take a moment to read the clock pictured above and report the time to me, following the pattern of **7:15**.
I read **1:17**
